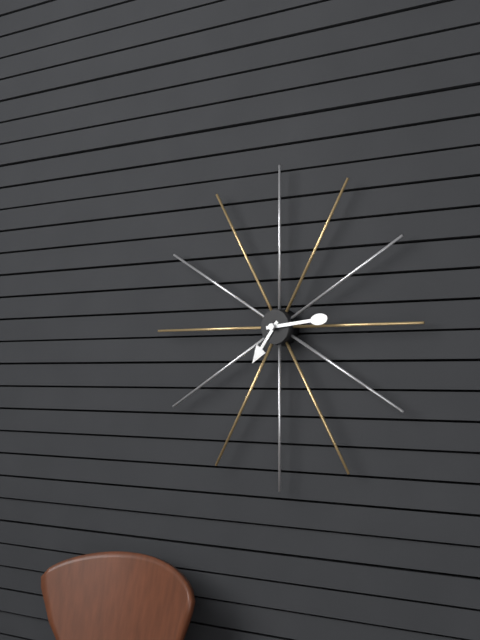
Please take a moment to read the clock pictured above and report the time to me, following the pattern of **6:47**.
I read **7:14**
